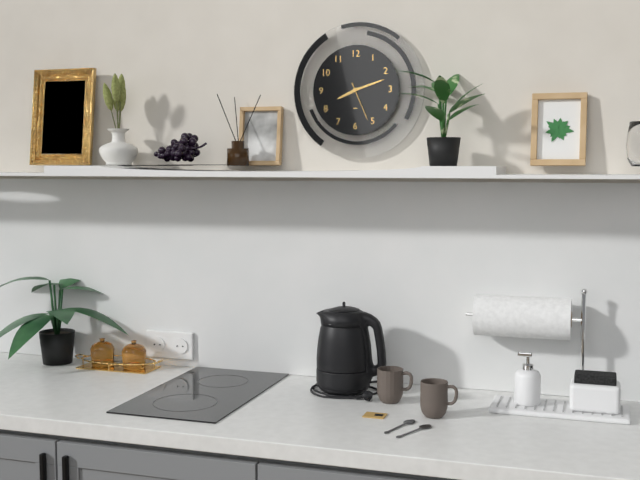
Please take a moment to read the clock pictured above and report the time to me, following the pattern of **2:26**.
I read **8:12**
